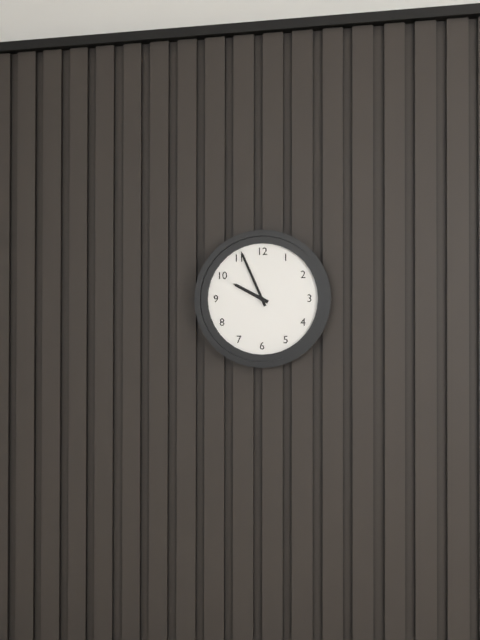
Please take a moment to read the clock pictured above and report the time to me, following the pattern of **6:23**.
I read **9:56**
